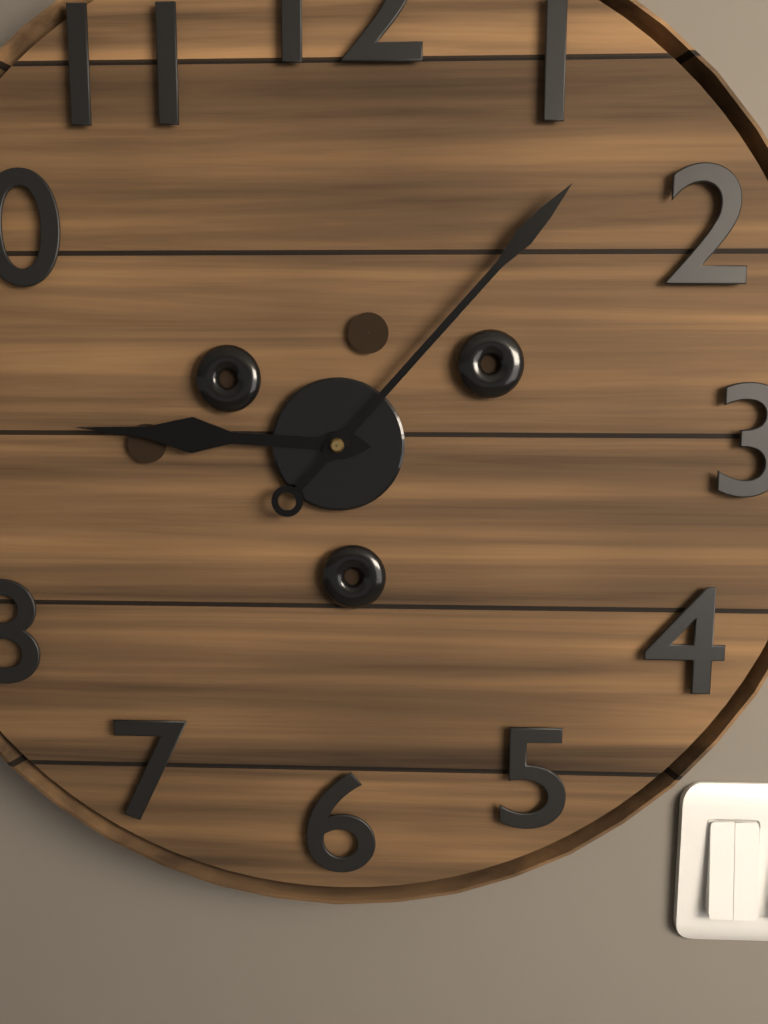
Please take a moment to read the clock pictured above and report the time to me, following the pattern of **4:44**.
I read **9:07**
